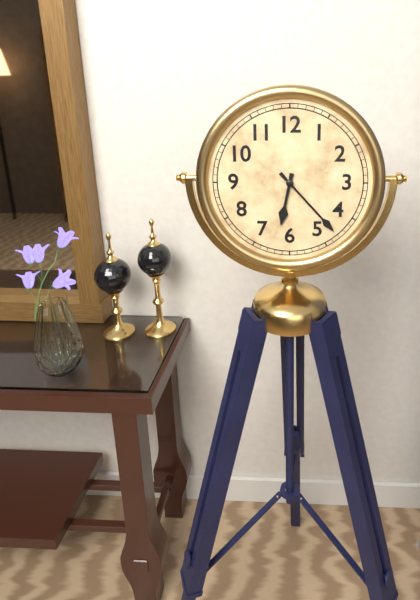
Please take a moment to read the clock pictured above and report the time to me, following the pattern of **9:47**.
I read **6:23**
